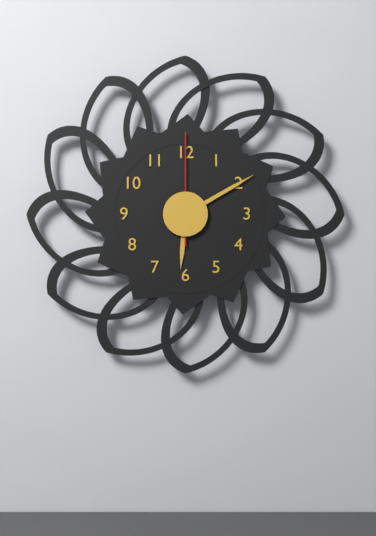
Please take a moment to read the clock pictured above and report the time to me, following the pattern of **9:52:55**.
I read **6:10:00**
